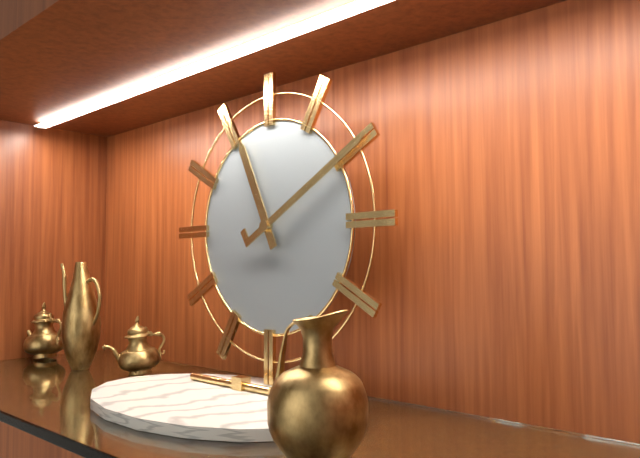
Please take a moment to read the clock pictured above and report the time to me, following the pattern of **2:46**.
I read **11:10**
